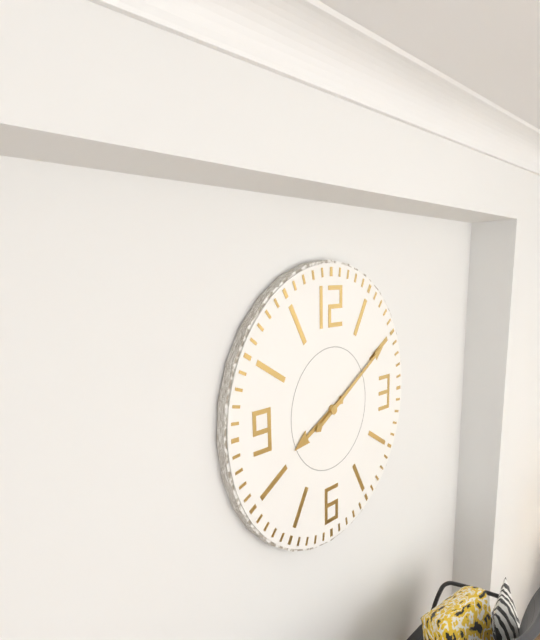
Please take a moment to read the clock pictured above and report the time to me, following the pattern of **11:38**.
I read **8:10**
